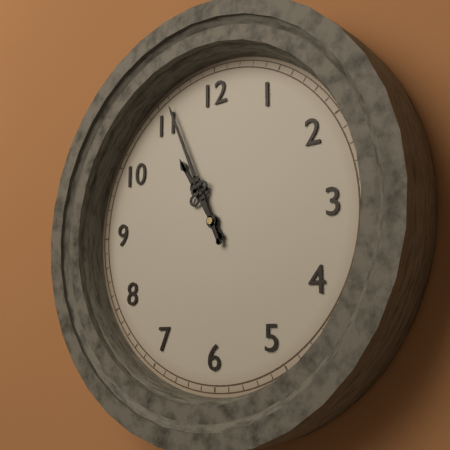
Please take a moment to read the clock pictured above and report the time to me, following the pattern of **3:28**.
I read **10:56**
